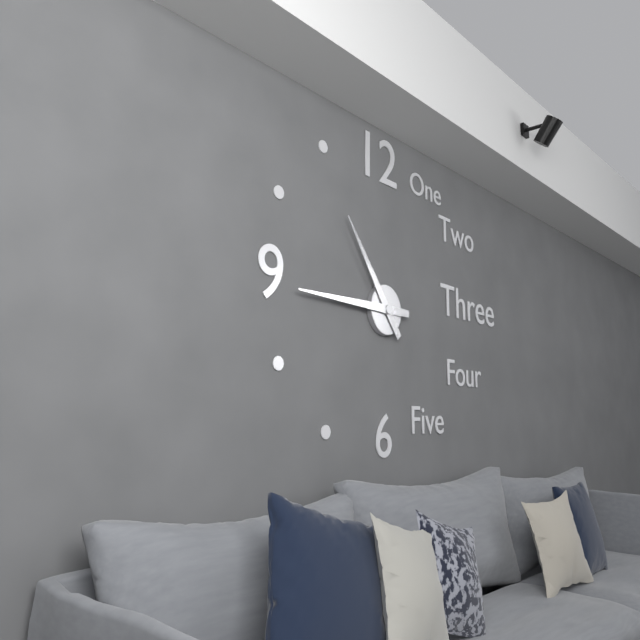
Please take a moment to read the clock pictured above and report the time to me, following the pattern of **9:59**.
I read **10:45**
